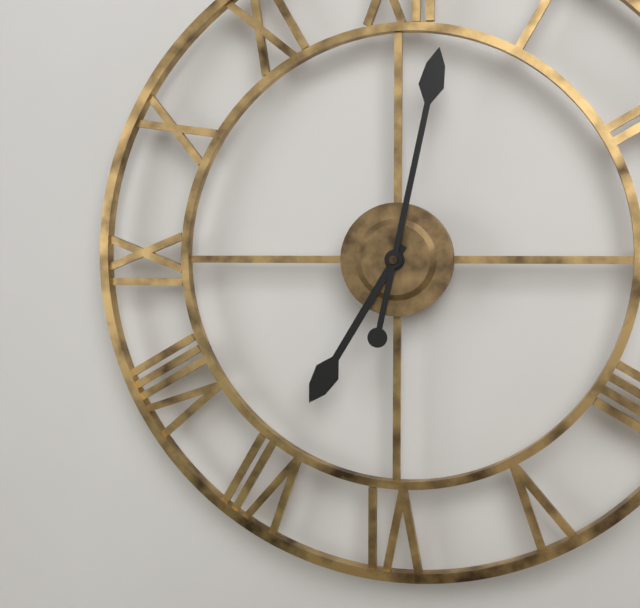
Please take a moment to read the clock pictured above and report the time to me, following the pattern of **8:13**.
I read **7:02**
